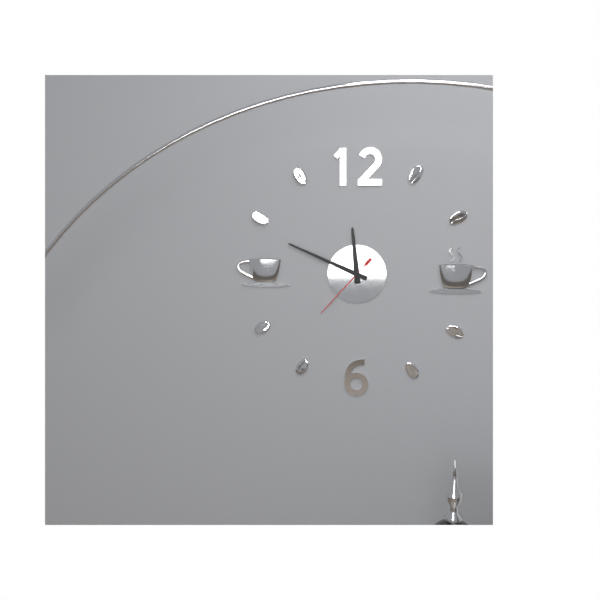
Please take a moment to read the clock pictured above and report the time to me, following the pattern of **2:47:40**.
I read **11:49:37**
